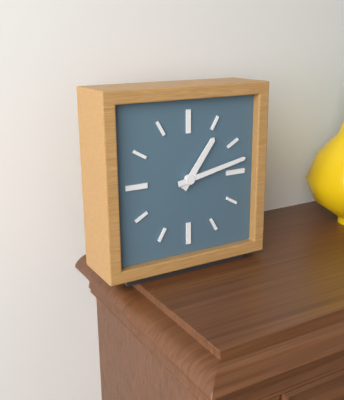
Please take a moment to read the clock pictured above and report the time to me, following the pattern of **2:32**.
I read **1:13**
